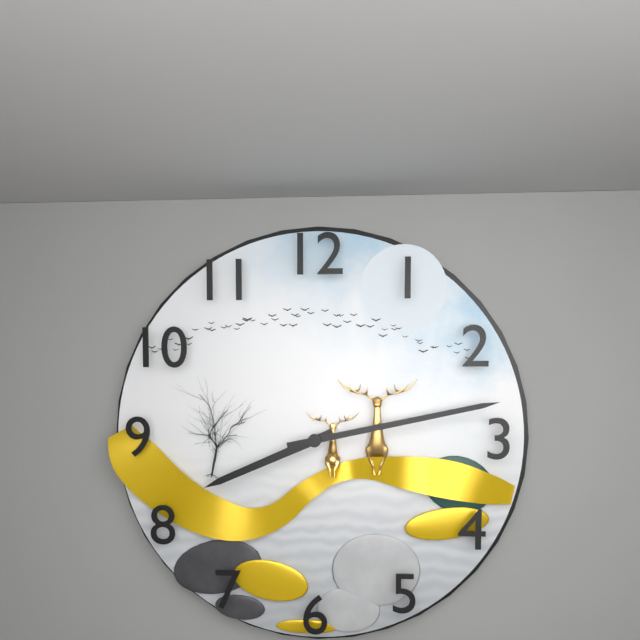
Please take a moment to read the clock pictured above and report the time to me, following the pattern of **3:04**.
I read **8:13**
